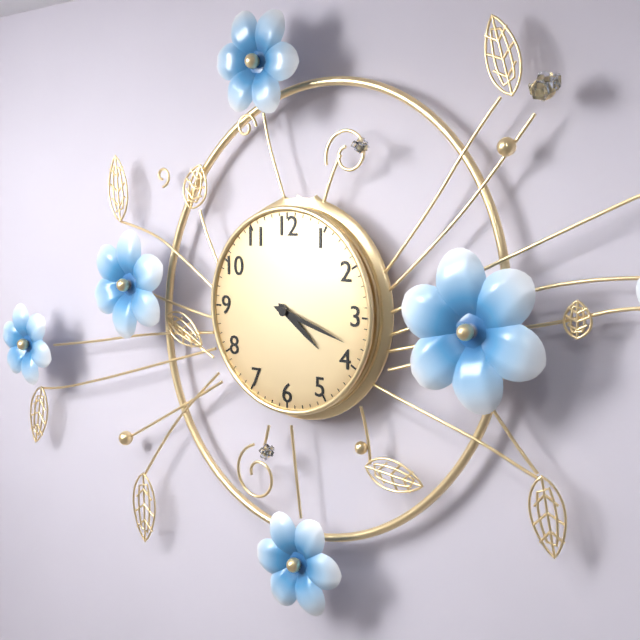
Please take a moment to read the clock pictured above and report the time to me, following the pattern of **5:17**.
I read **4:18**
